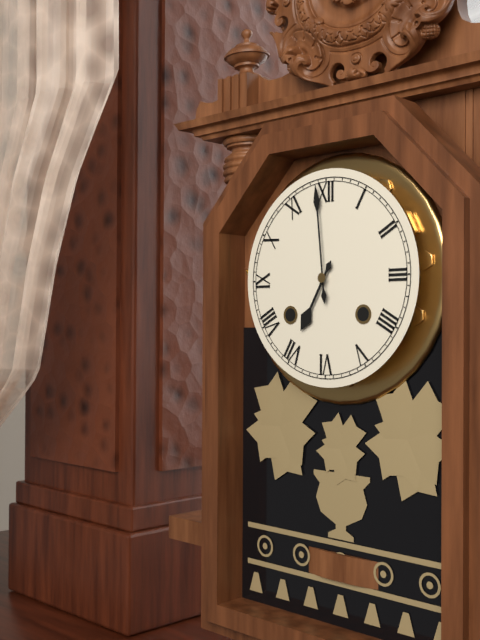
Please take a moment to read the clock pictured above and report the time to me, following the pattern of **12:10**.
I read **6:59**
